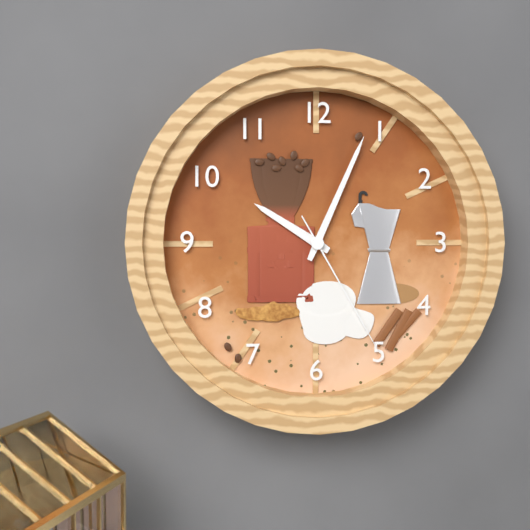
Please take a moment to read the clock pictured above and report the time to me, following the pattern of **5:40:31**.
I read **10:04:25**
